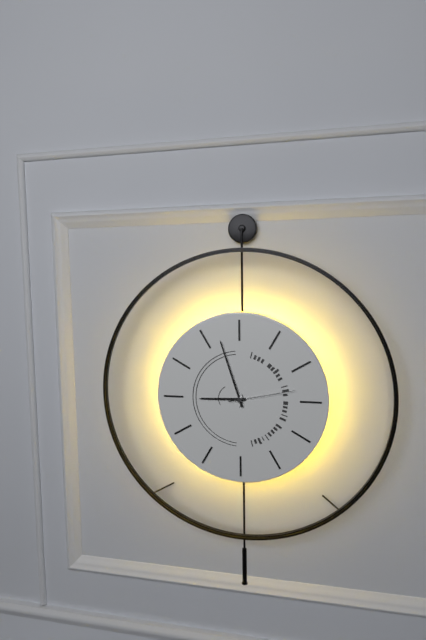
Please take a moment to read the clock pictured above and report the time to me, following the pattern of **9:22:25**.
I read **8:57:13**
